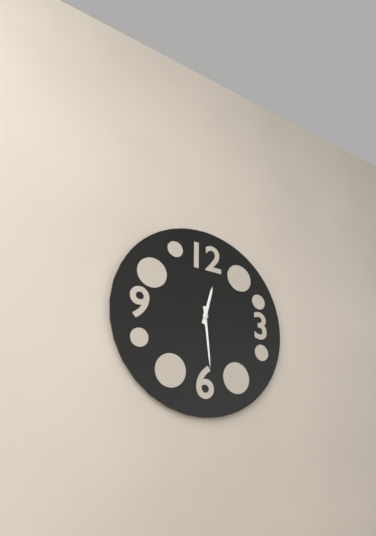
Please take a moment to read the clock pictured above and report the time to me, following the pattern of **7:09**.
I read **12:29**
